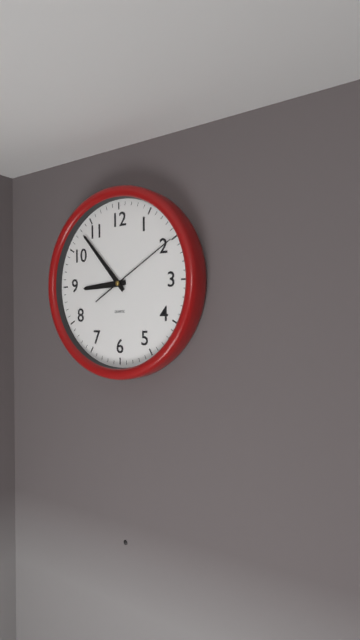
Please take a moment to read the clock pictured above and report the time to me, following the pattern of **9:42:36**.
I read **8:53:10**
